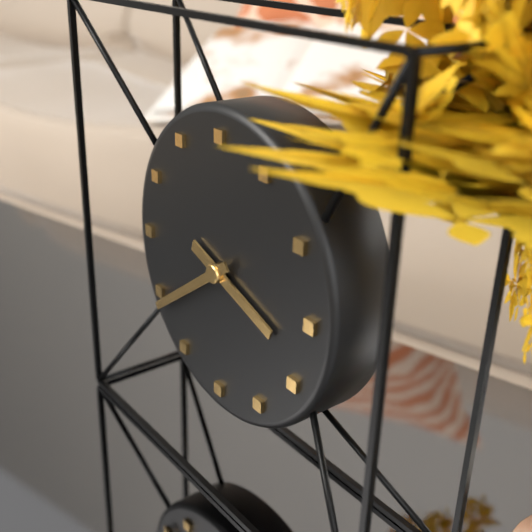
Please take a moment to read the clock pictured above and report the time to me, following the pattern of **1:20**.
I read **3:39**
